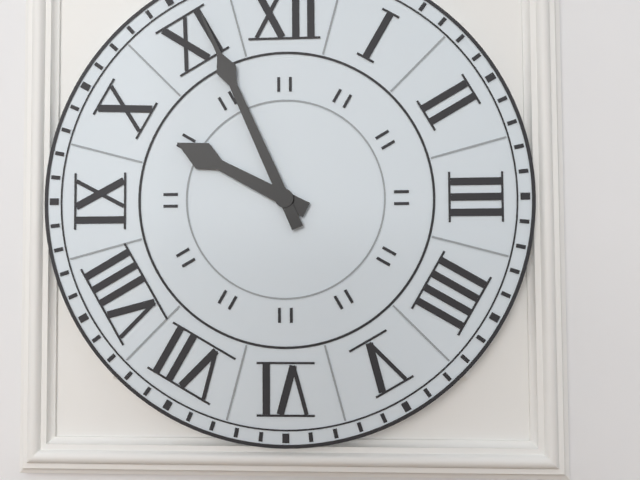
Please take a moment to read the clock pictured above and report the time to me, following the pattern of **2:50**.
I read **9:56**
